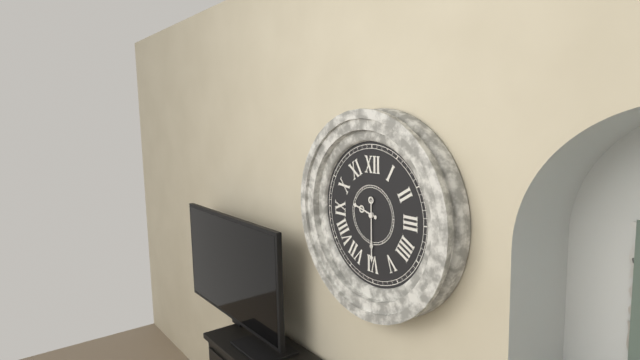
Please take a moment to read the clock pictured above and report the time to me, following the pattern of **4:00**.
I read **9:30**
